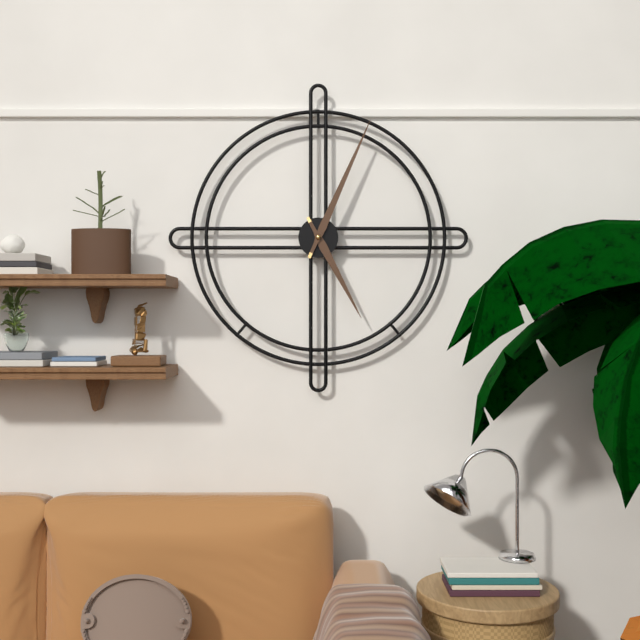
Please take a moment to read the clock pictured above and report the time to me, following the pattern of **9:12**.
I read **5:04**
